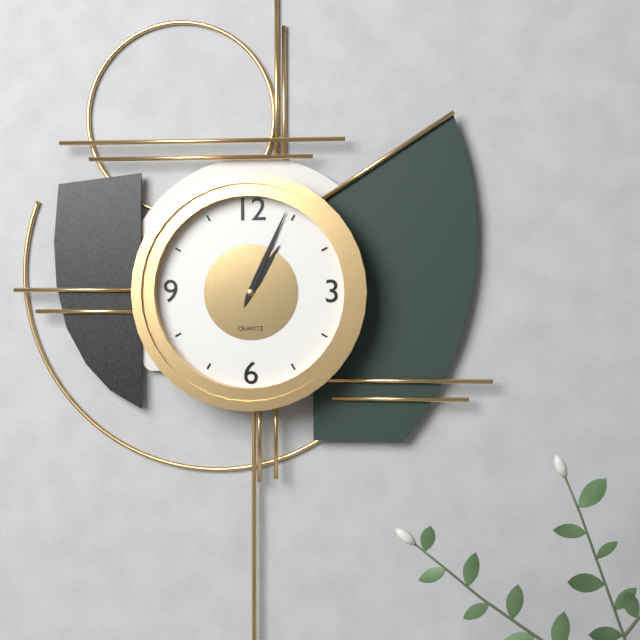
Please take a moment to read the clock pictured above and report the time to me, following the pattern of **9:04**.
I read **1:04**
